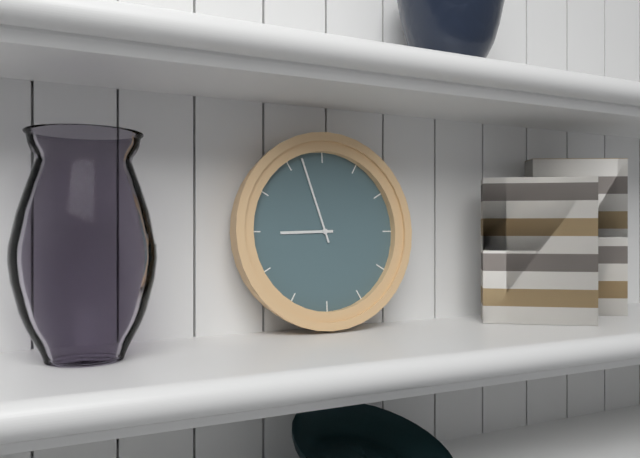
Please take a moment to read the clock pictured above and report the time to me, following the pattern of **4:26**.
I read **8:57**
